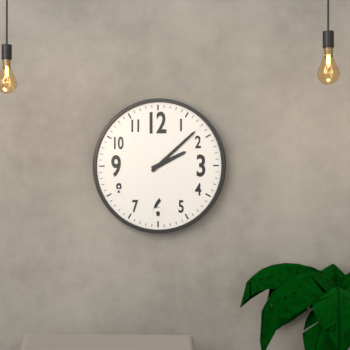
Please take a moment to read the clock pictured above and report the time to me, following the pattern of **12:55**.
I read **2:08**
